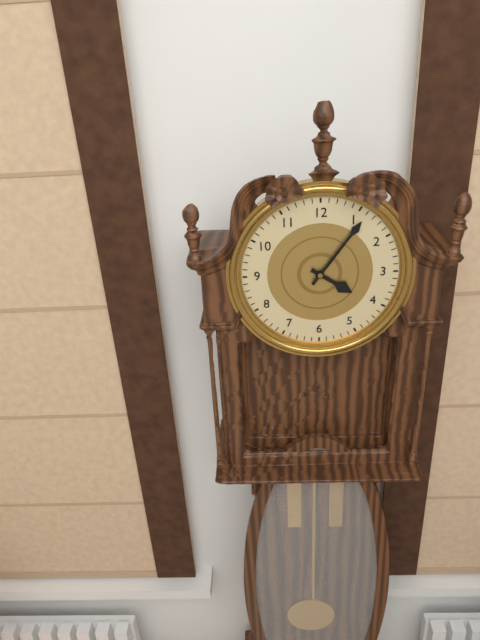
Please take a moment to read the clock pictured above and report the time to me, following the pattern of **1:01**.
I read **4:06**
